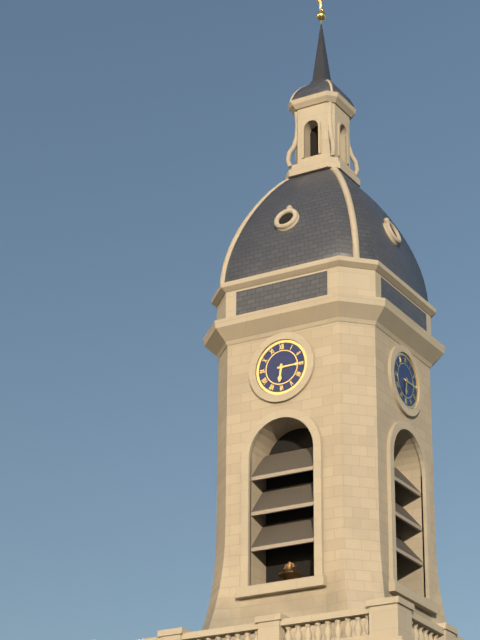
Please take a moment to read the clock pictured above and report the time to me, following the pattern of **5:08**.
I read **6:15**
